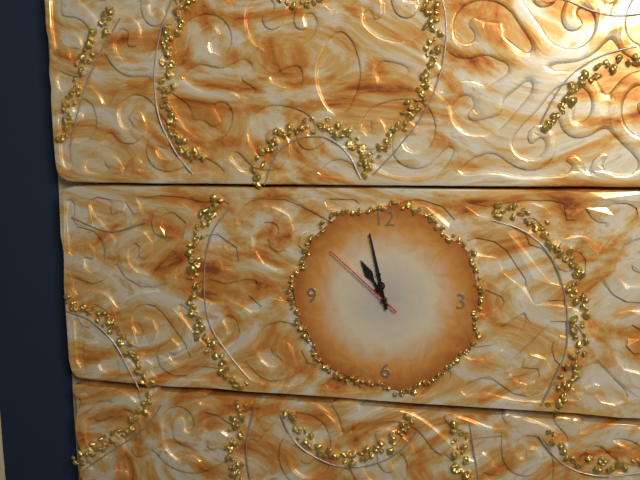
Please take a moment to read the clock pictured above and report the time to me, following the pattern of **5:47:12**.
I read **10:58:52**
